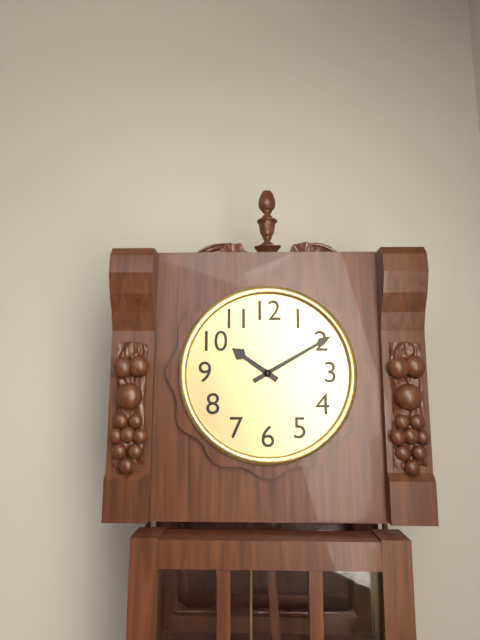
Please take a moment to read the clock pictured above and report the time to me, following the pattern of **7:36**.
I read **10:10**
